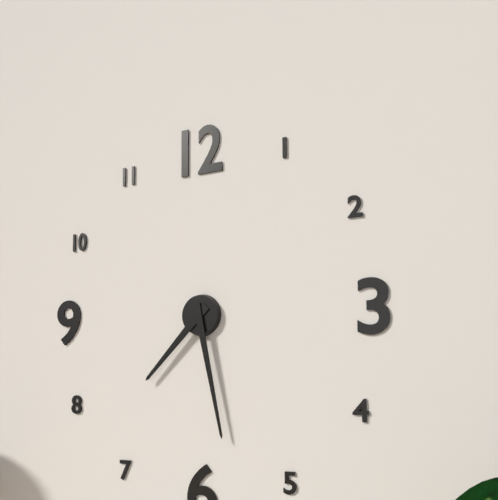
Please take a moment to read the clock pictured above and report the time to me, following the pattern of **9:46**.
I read **7:28**
